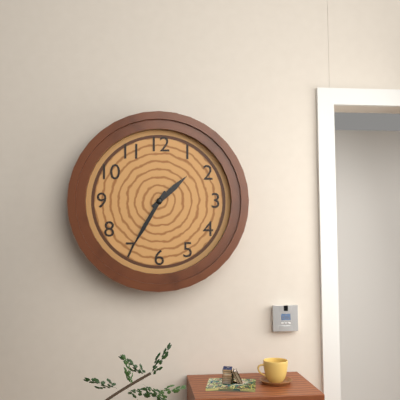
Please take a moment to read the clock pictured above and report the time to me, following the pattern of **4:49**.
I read **1:35**
